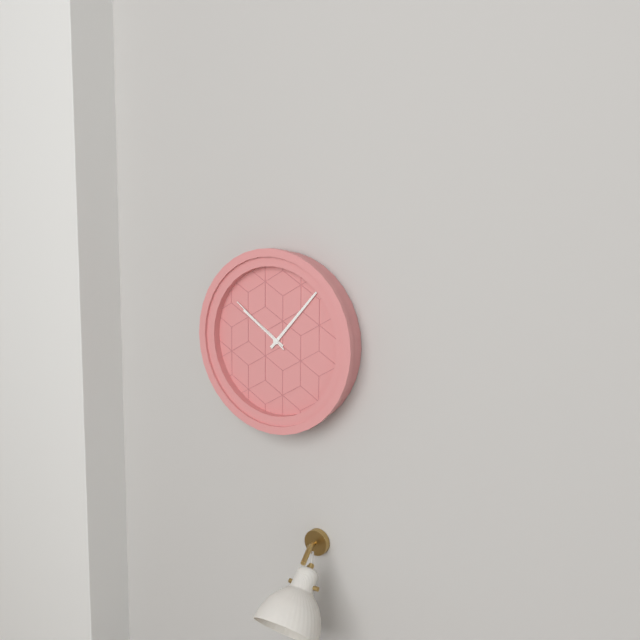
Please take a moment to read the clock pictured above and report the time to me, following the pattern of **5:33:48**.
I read **10:07:51**
